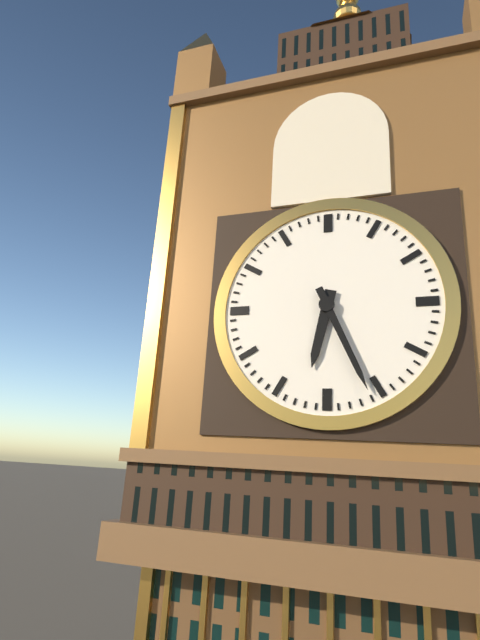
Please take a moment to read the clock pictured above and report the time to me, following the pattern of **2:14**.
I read **6:26**
